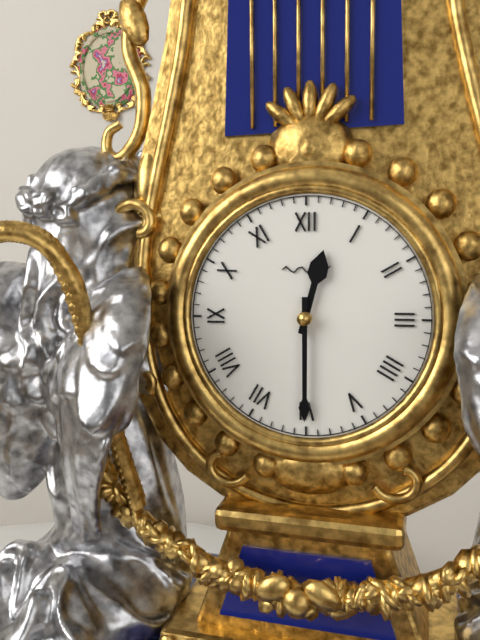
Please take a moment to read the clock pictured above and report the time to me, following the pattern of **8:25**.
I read **12:30**
